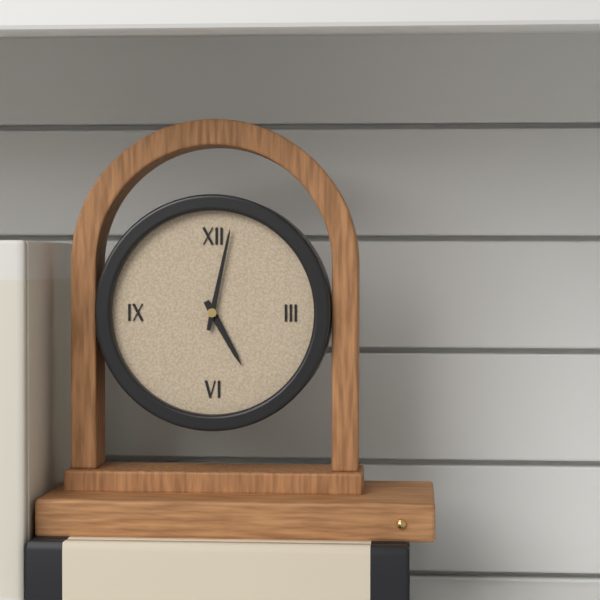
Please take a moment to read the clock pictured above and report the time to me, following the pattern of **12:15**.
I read **5:02**
